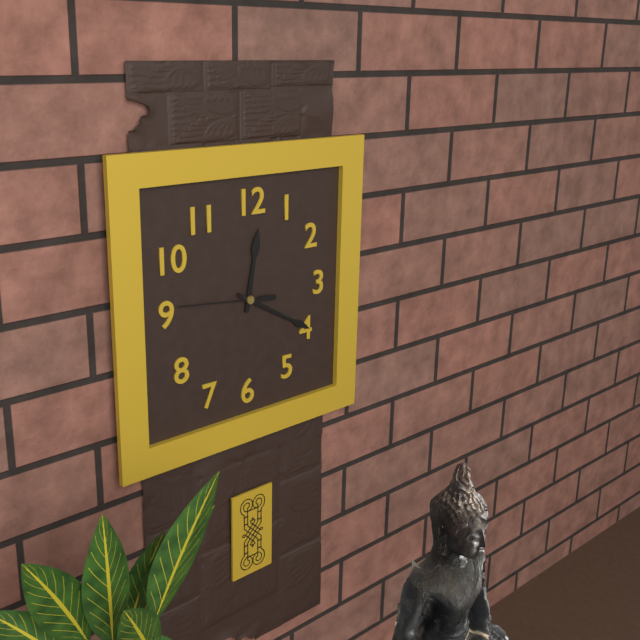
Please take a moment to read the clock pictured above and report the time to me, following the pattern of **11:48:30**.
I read **12:20:46**
